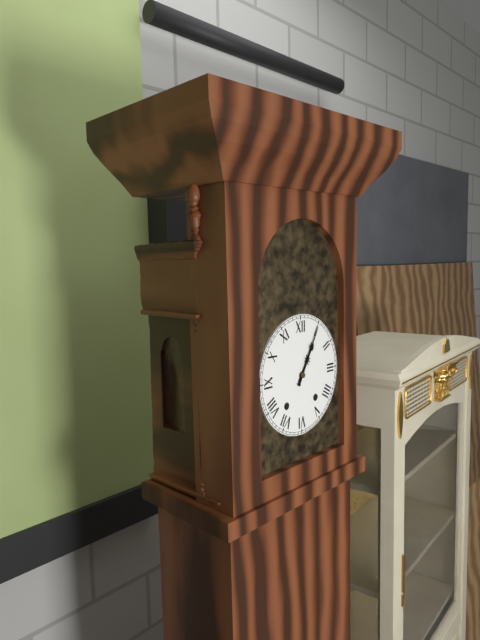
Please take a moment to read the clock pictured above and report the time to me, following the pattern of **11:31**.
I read **1:05**
